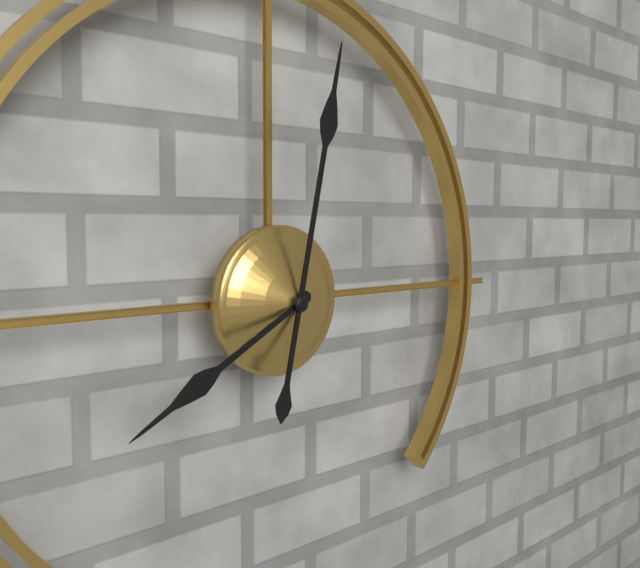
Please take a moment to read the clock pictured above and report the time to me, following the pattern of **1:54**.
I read **8:02**
